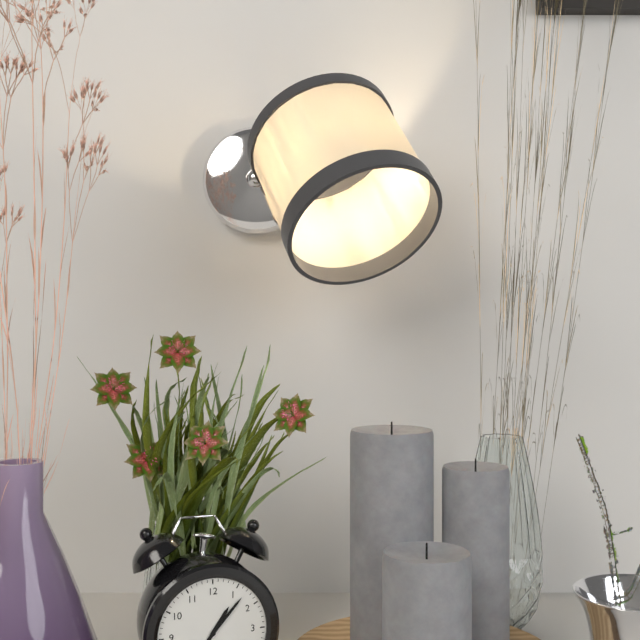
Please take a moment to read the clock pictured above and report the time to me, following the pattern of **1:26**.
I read **1:07**
